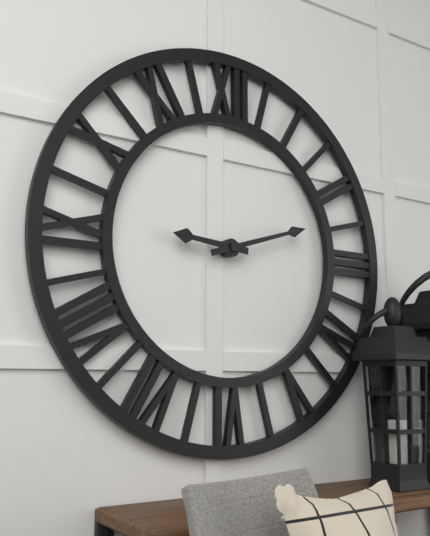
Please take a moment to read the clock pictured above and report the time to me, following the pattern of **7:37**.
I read **9:12**
